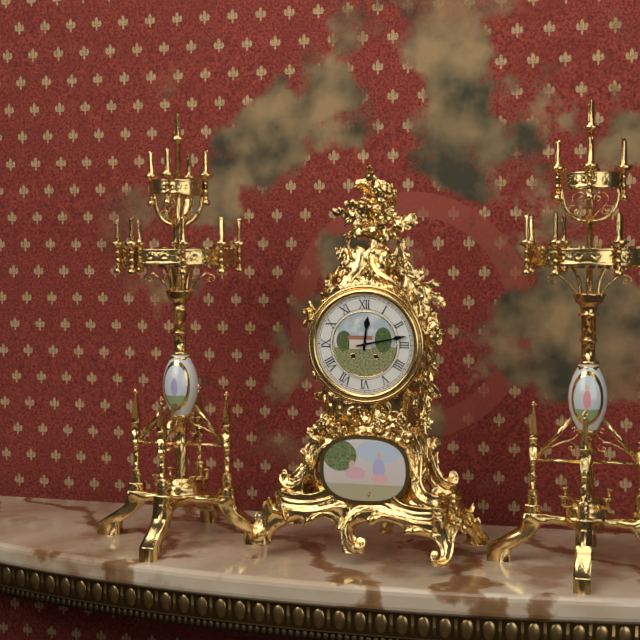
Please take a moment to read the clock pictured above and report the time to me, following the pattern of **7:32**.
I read **12:13**
